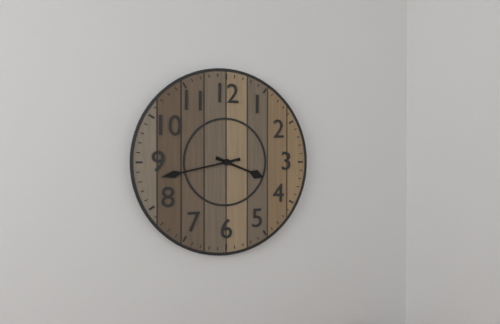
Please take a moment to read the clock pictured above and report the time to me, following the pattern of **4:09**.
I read **3:43**
